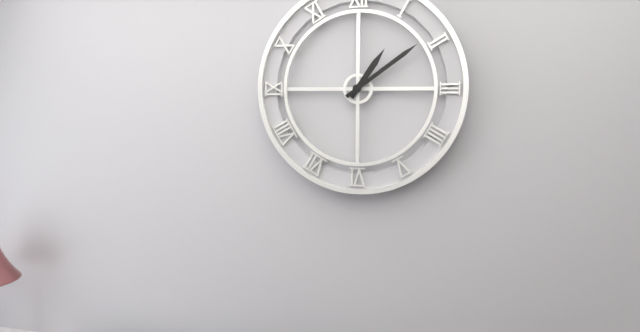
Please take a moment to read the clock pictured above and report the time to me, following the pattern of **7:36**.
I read **1:09**
